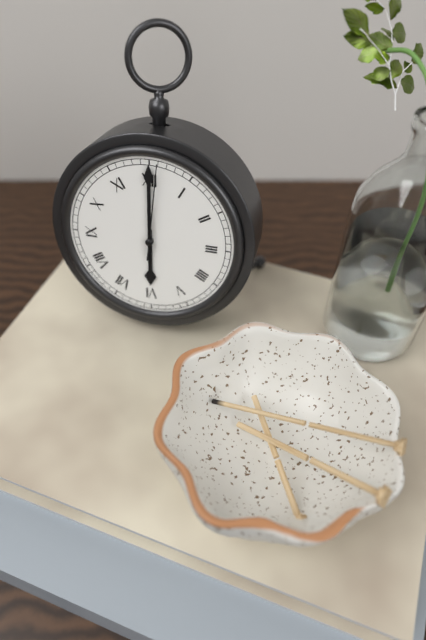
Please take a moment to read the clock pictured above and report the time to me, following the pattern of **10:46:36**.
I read **6:00:01**
